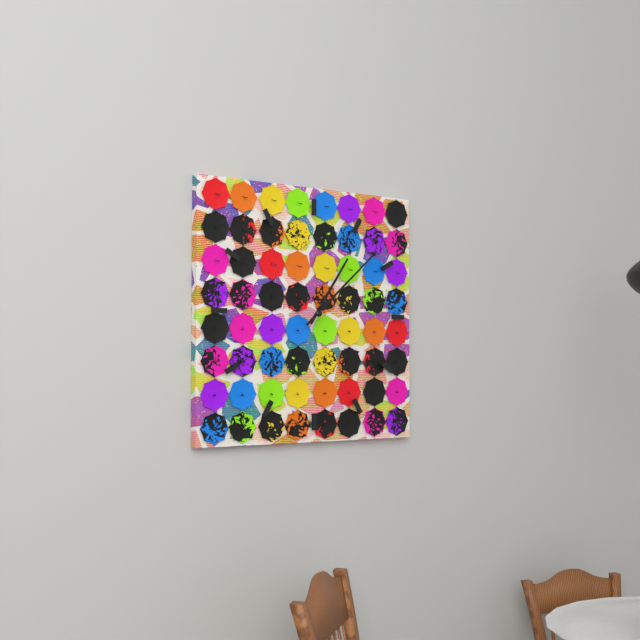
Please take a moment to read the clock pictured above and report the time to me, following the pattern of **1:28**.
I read **1:08**
